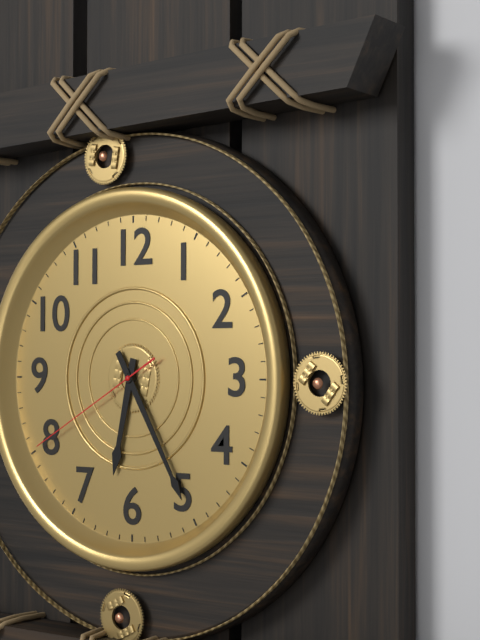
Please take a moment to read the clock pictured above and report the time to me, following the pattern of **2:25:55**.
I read **6:25:40**
